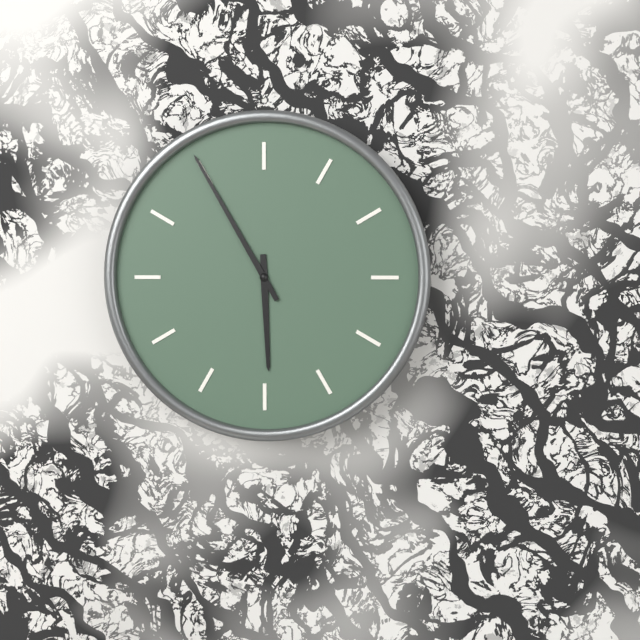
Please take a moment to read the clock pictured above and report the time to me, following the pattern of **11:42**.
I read **5:55**
